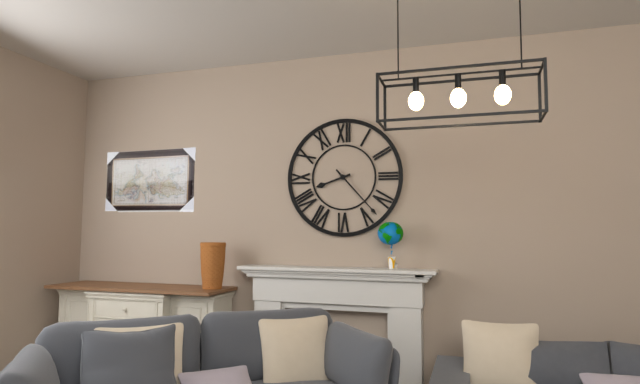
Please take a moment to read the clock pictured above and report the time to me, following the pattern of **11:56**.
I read **8:23**
